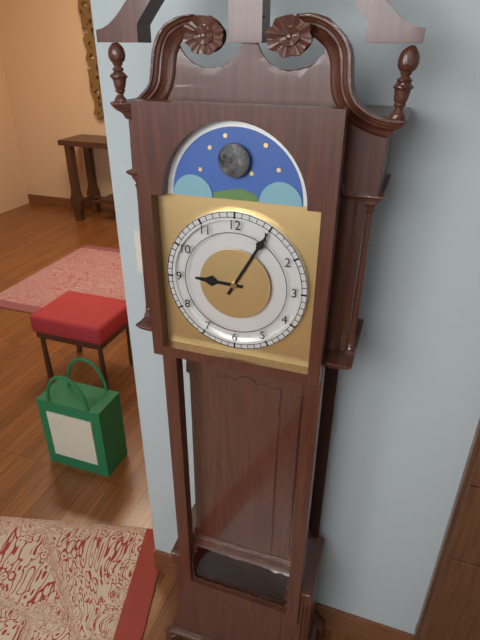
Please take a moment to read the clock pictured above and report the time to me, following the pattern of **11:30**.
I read **9:05**
